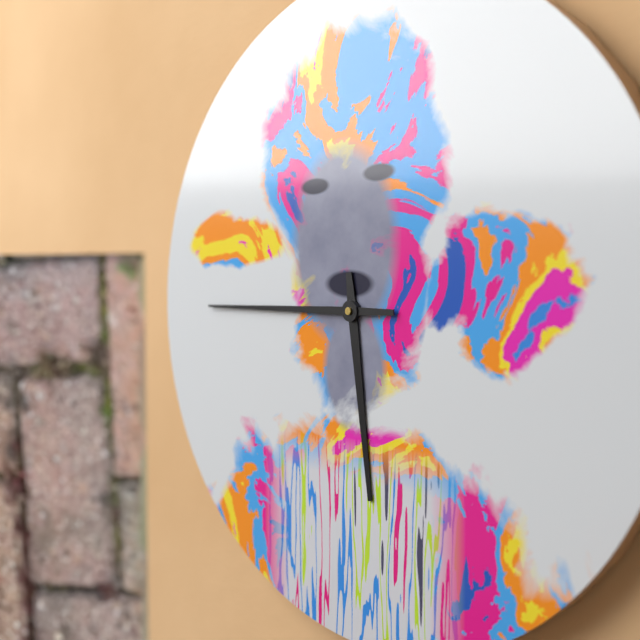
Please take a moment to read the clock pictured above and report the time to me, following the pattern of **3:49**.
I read **5:45**
